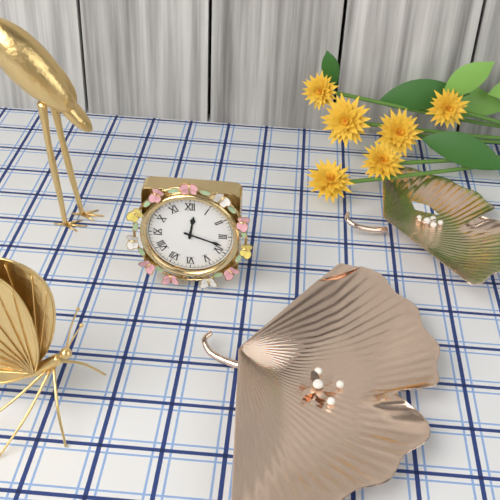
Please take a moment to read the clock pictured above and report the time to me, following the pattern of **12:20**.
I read **12:18**
